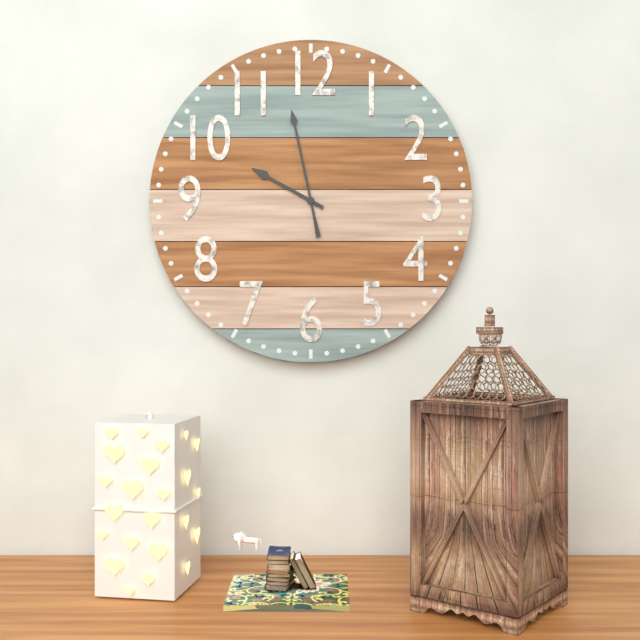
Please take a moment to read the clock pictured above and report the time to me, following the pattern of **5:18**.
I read **9:58**
